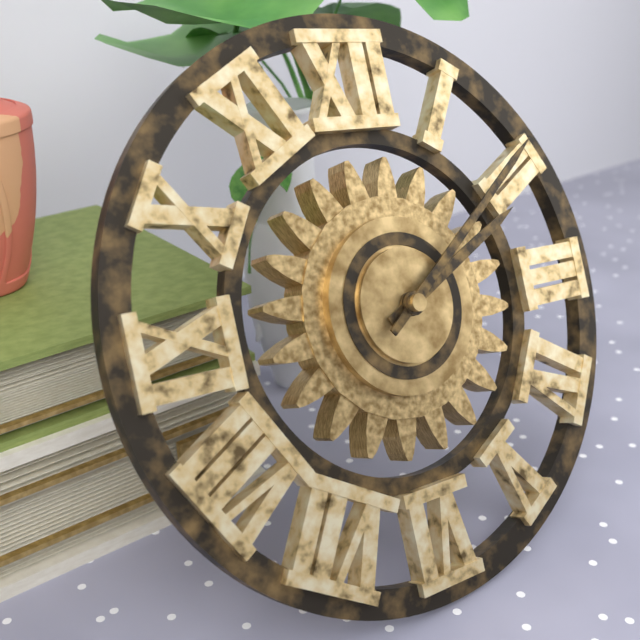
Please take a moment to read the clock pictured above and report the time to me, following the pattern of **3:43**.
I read **2:09**
